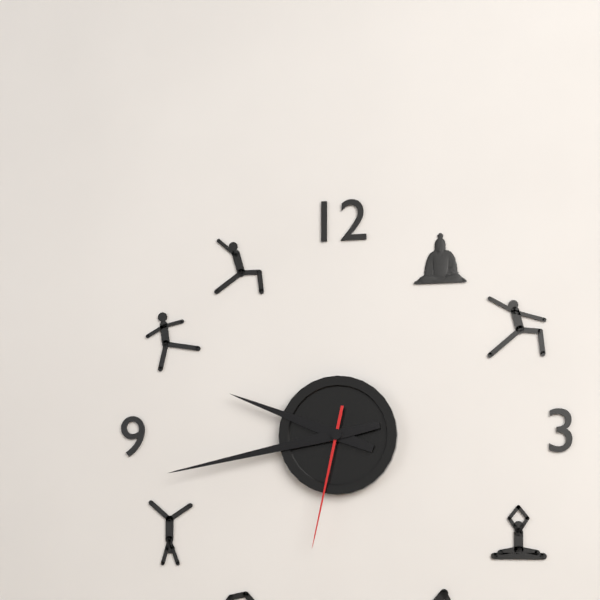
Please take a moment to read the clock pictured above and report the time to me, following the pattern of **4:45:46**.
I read **9:43:32**
